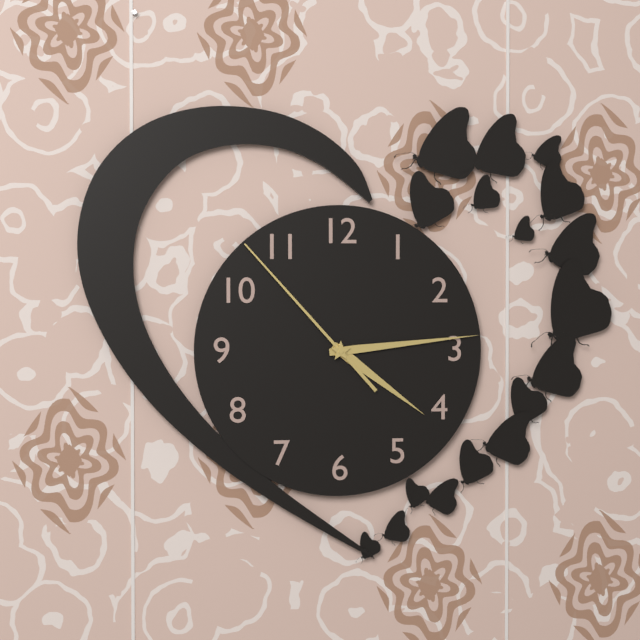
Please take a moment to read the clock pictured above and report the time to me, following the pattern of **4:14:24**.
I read **4:14:53**
